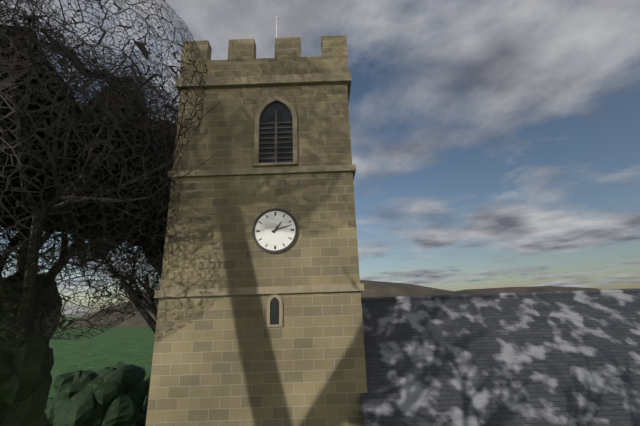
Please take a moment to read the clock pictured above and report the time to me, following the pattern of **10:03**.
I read **1:12**
